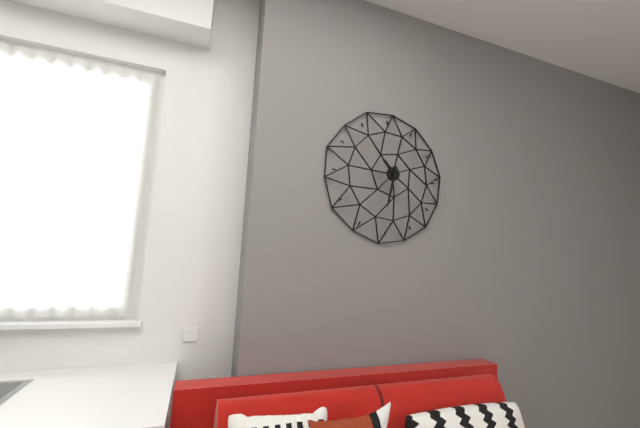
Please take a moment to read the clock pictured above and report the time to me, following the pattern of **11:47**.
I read **10:32**
